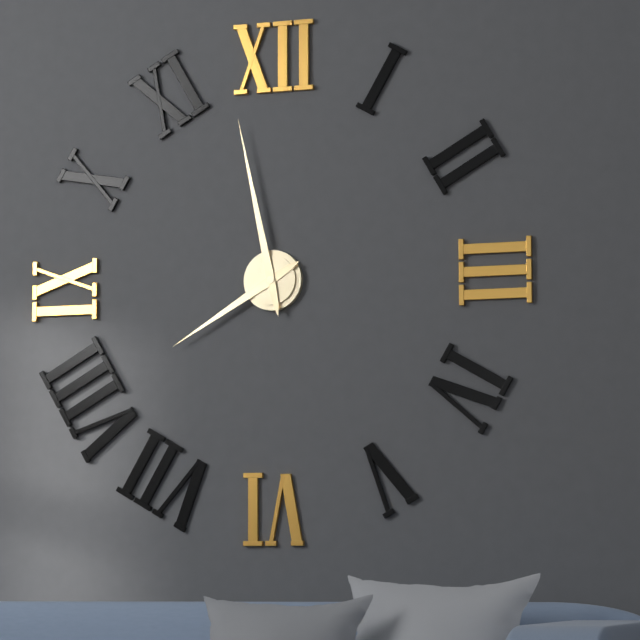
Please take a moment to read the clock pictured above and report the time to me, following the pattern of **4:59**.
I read **7:58**
